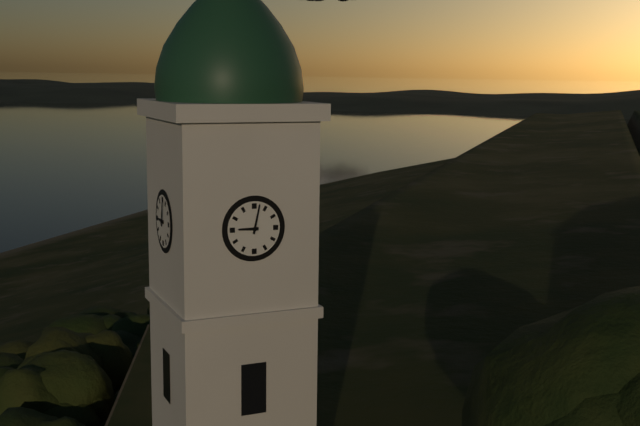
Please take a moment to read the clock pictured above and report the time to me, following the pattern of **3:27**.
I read **9:02**
